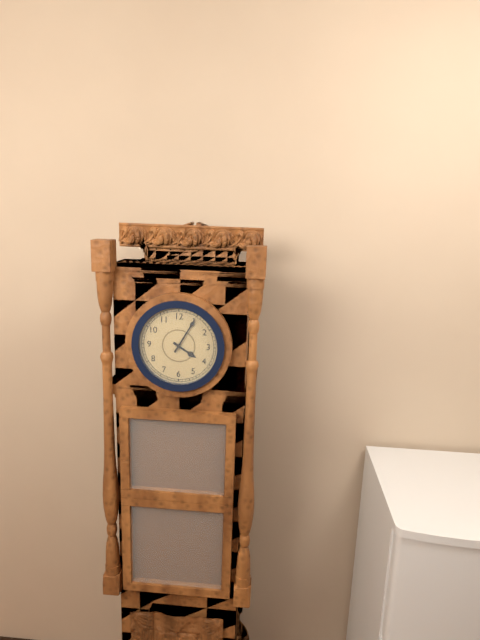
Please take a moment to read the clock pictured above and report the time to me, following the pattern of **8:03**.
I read **4:05**
